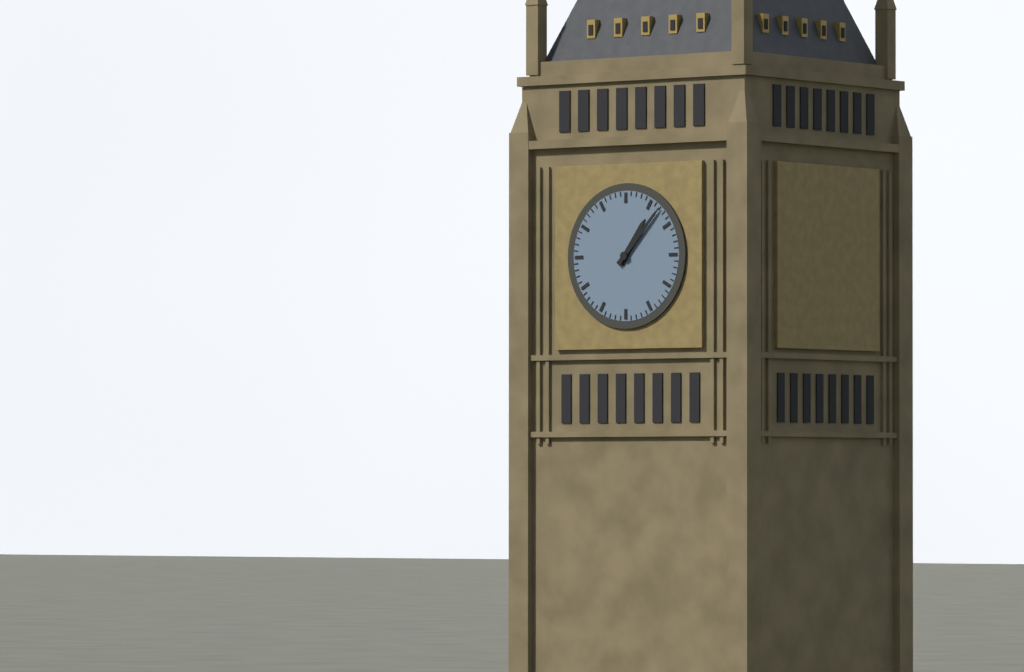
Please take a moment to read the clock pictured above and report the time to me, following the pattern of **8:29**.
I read **1:07**
